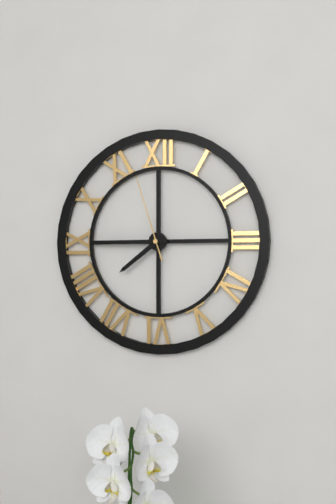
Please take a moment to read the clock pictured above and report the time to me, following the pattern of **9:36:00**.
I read **7:45:57**
